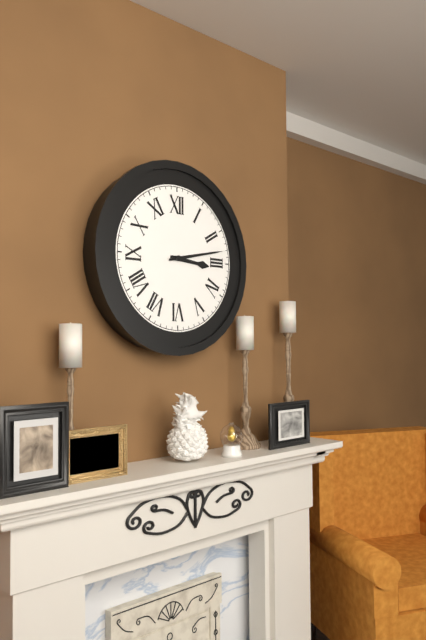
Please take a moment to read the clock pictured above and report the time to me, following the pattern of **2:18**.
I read **3:13**
